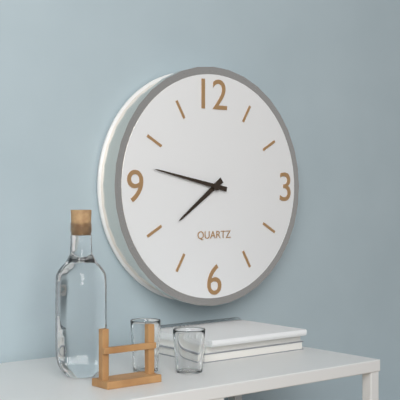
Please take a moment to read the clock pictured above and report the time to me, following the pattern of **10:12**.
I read **7:47**
